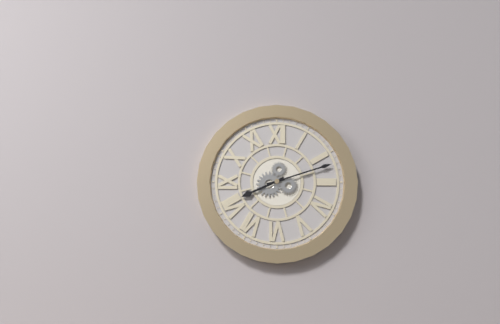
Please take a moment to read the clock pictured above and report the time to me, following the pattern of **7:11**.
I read **8:12**
